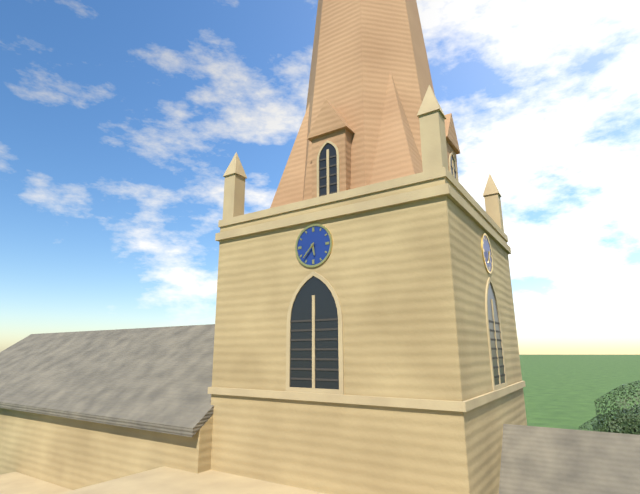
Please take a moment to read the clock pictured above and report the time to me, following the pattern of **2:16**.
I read **5:37**
